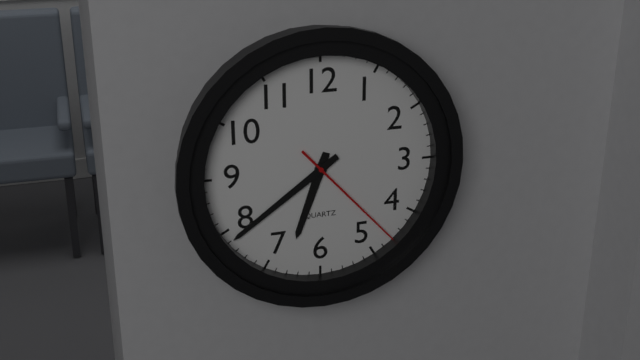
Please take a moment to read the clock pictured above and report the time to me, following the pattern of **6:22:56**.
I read **6:39:23**
